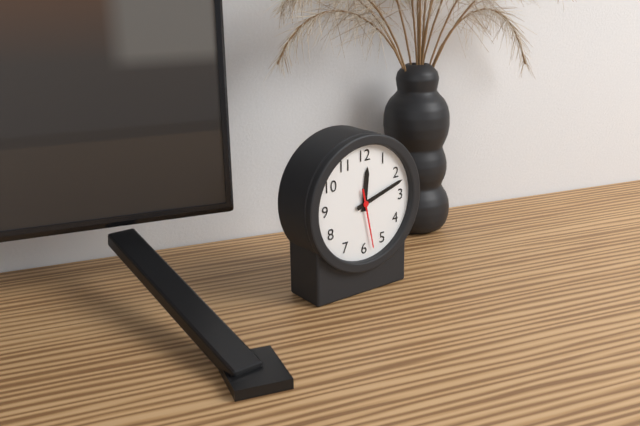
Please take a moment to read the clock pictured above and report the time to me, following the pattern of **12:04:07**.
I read **12:12:28**
